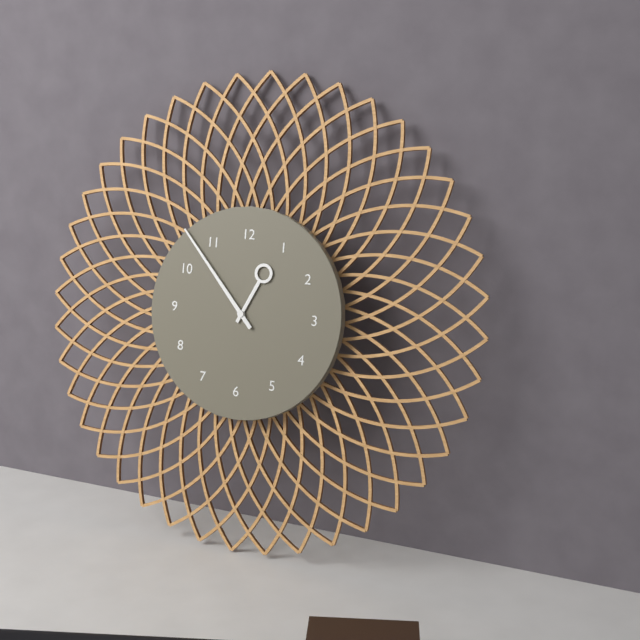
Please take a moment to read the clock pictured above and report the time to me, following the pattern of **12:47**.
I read **12:53**
